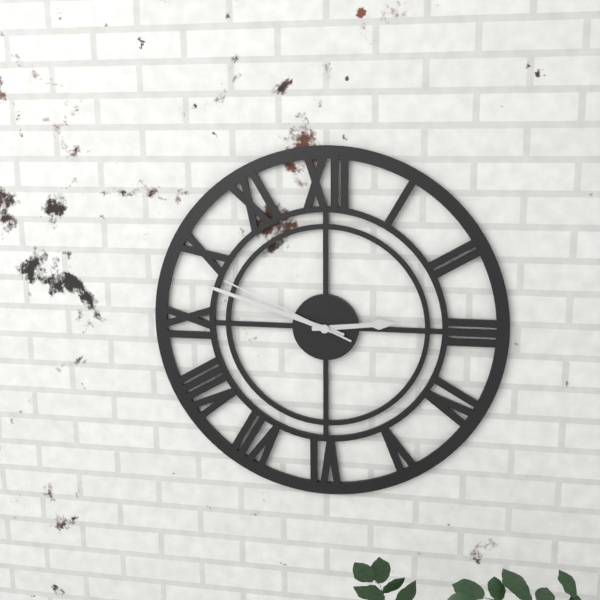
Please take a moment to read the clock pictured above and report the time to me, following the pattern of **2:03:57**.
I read **2:48:49**
